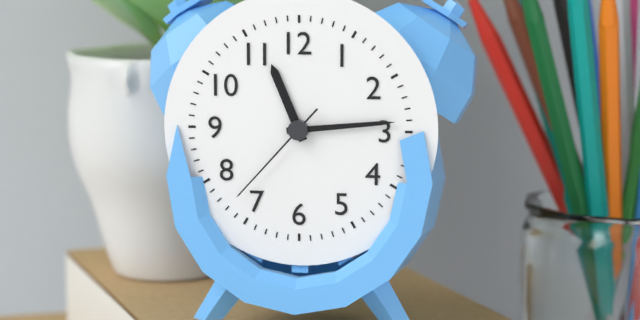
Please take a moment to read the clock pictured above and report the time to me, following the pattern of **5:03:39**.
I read **11:14:37**
